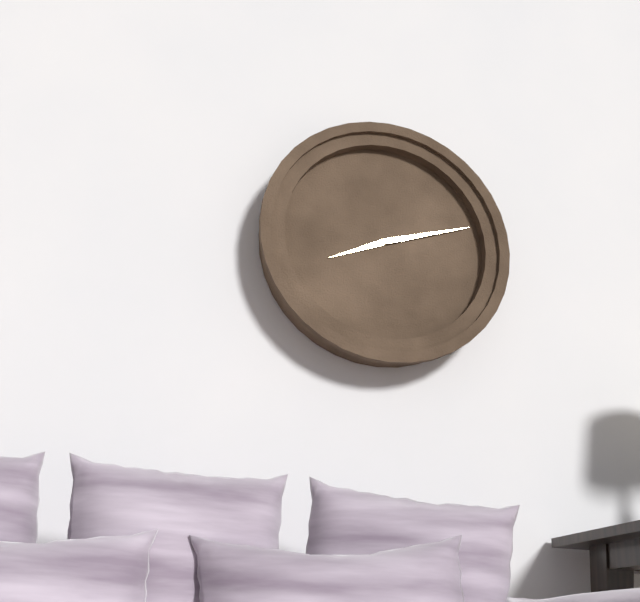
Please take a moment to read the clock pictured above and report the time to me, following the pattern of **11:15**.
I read **8:12**
